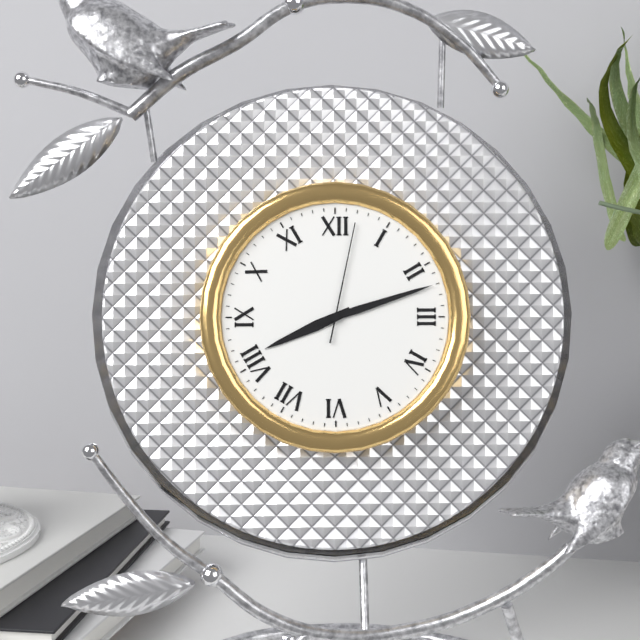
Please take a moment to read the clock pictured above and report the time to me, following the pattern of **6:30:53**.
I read **8:12:02**
